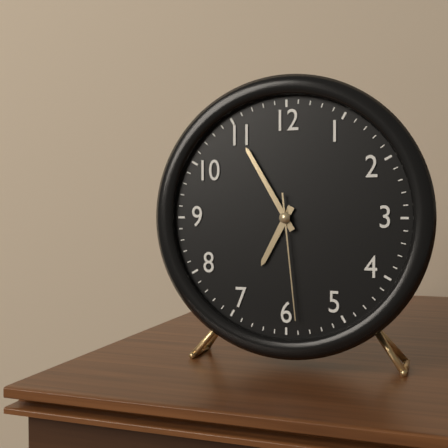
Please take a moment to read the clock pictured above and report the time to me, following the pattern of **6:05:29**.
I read **6:55:29**
